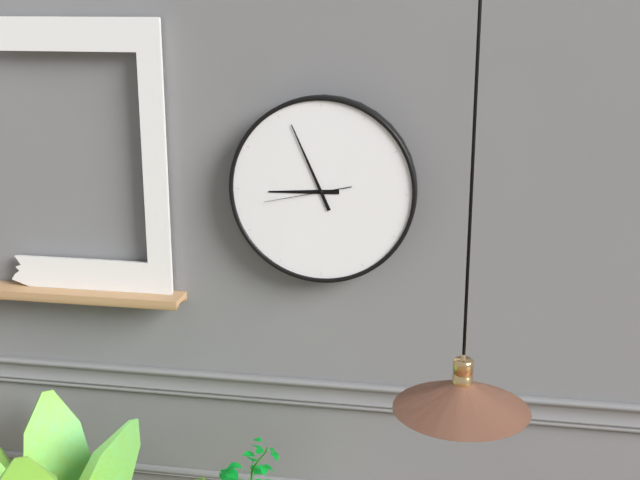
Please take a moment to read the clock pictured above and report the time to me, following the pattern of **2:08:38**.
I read **8:56:43**
